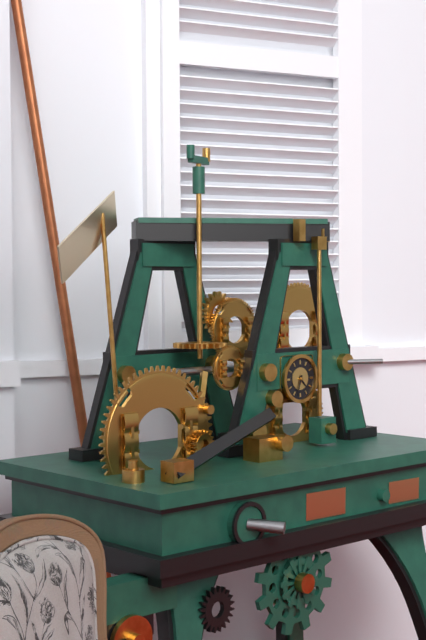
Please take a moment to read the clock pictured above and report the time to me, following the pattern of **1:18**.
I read **4:33**
